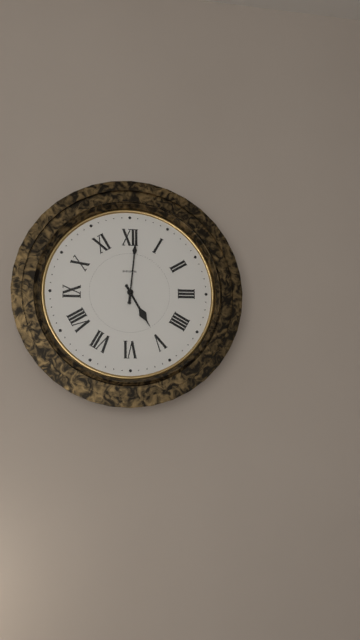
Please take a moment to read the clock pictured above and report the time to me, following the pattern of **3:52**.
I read **5:01**
